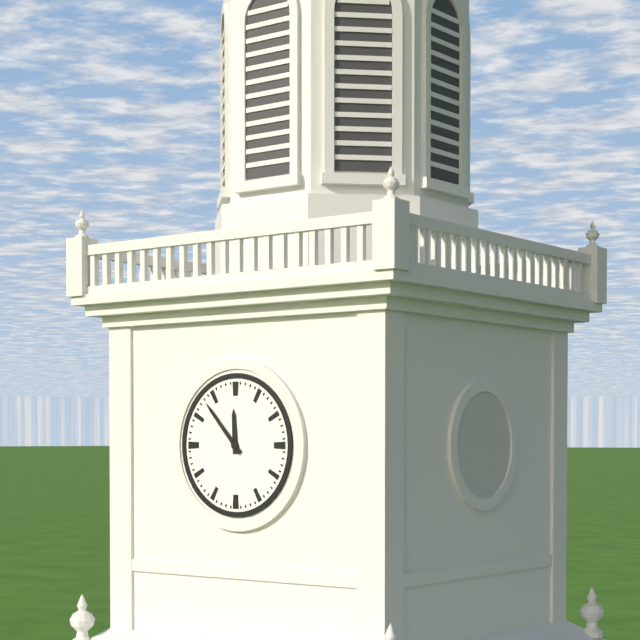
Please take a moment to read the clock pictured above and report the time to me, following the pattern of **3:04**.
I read **11:53**
